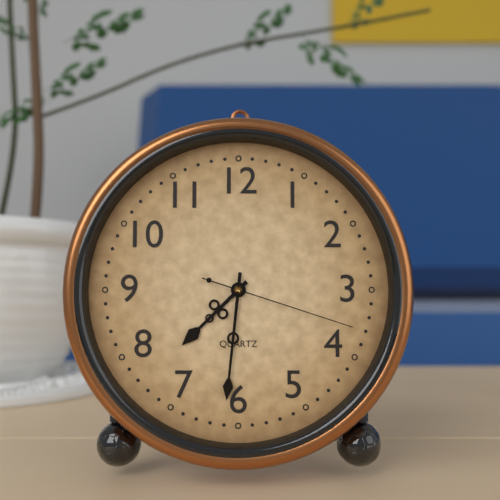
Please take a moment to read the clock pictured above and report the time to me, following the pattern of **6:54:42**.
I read **7:31:18**
